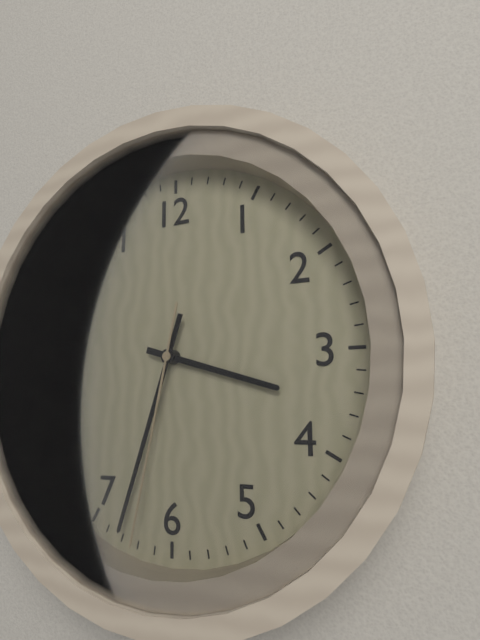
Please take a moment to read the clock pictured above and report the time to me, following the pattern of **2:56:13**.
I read **3:33:32**
